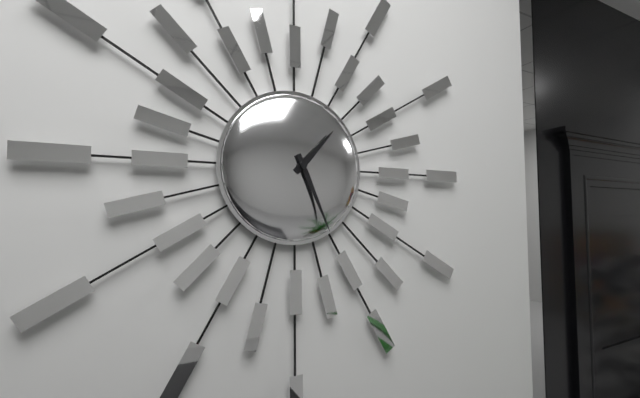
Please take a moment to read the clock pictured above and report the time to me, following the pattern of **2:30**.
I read **1:26**
